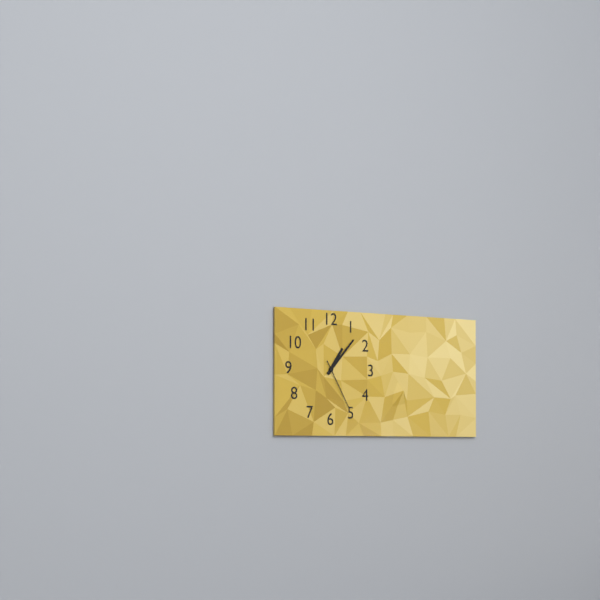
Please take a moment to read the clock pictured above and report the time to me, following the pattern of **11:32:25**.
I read **1:07:25**
